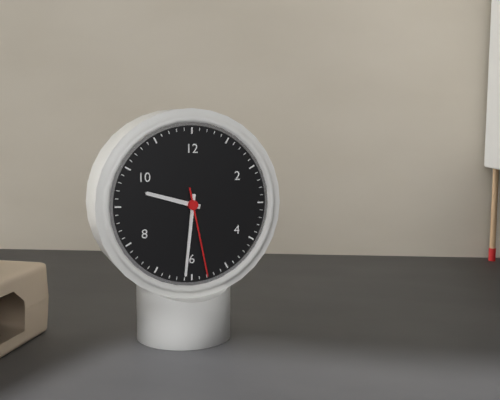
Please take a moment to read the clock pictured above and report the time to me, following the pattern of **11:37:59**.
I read **9:31:28**
